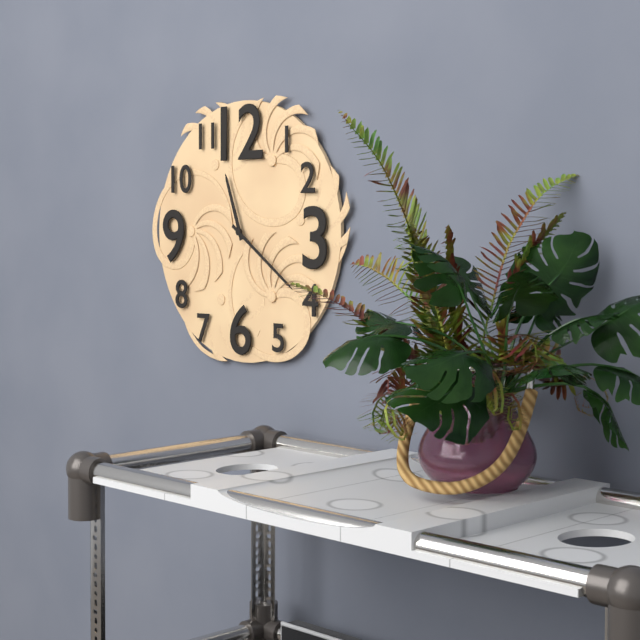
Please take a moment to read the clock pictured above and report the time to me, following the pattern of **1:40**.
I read **11:21**
